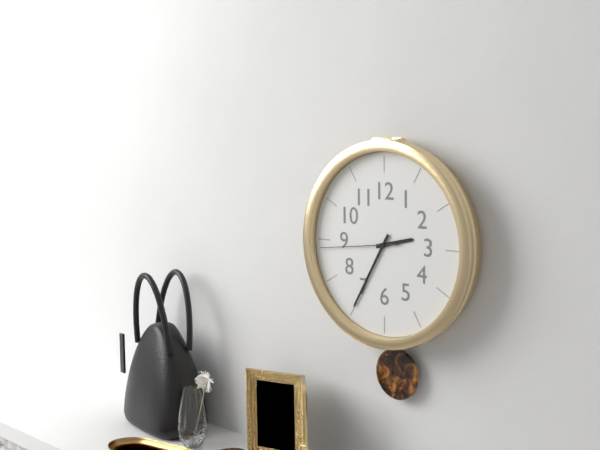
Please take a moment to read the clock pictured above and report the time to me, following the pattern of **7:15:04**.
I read **2:35:44**
